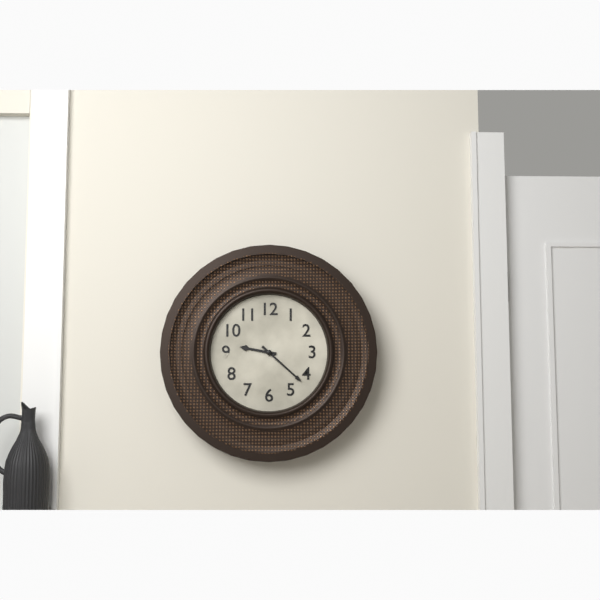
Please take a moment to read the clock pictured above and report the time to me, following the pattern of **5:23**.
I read **9:22**
